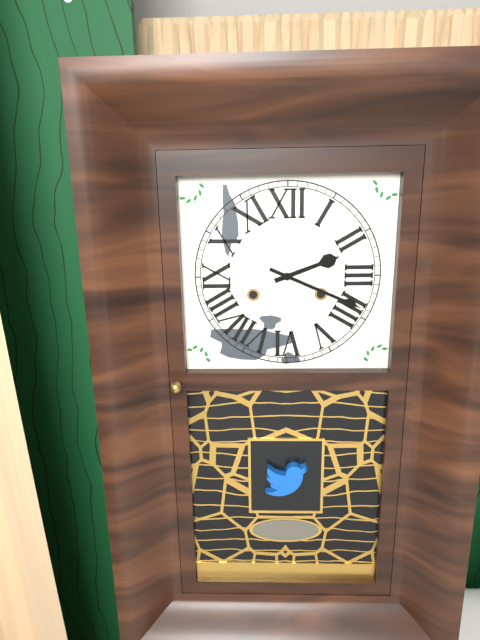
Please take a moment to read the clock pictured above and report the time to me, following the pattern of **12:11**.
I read **2:19**
